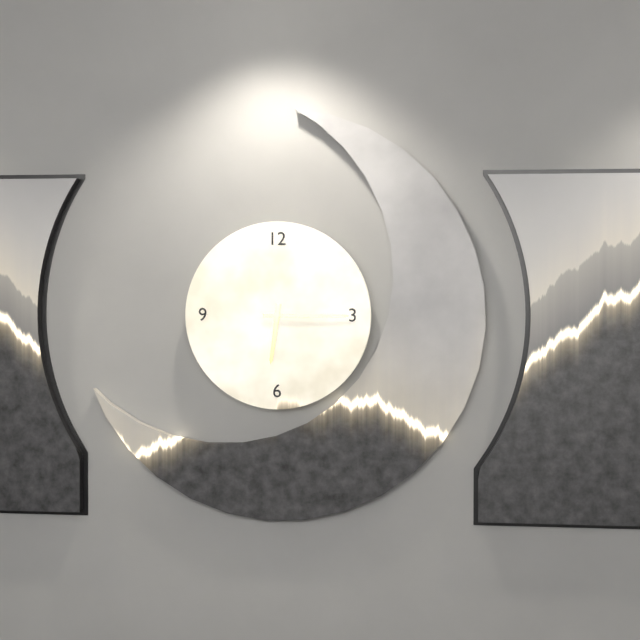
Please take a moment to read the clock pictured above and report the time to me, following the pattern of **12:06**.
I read **6:15**
